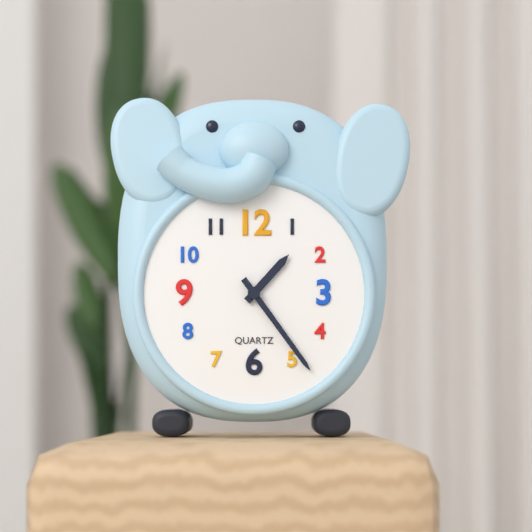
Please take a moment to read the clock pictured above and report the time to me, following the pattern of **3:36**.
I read **1:24**
